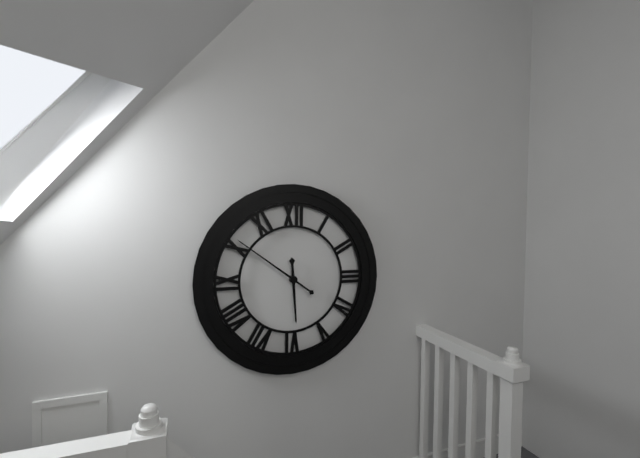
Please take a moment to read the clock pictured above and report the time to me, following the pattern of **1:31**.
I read **5:51**
